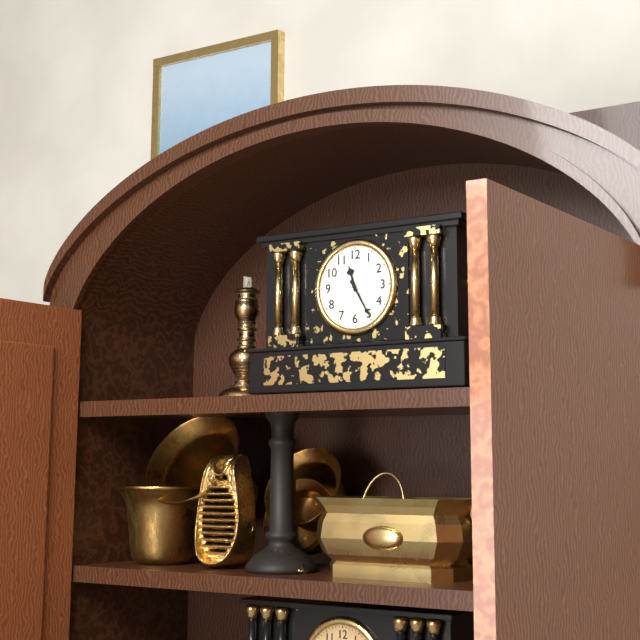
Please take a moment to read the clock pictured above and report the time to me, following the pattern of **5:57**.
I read **11:25**
